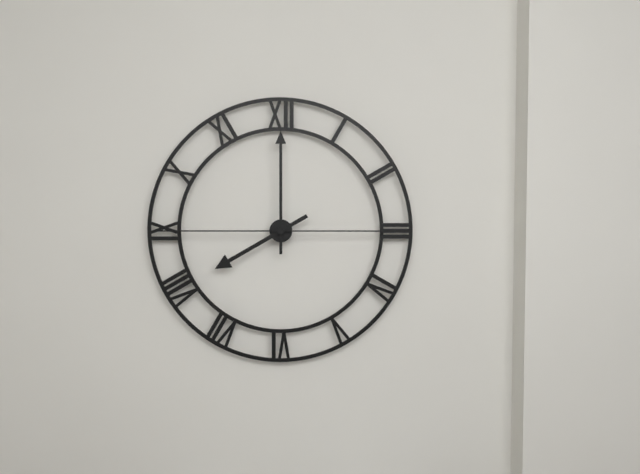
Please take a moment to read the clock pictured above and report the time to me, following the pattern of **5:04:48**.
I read **8:00:45**
